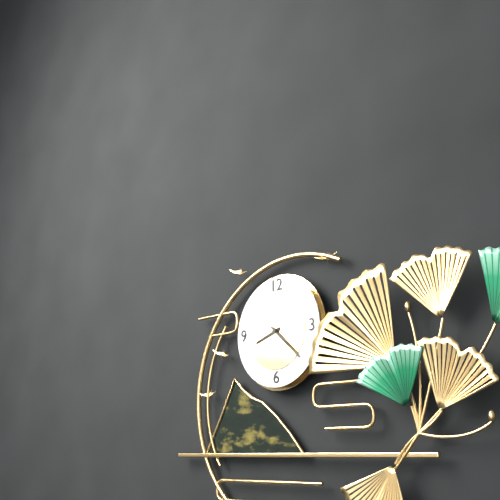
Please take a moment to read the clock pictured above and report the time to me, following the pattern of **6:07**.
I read **8:22**
